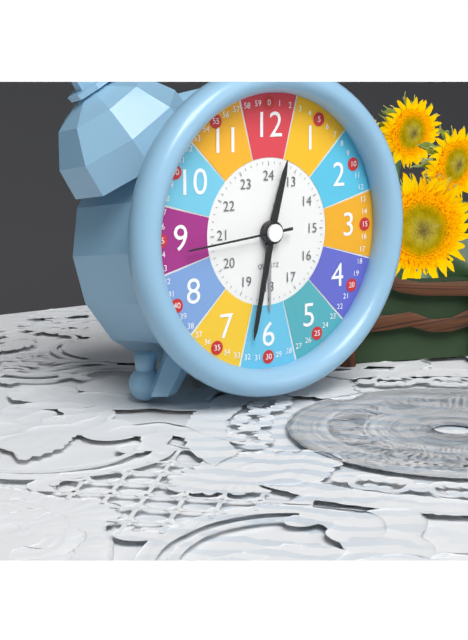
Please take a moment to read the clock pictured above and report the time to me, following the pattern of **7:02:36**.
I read **12:32:44**
